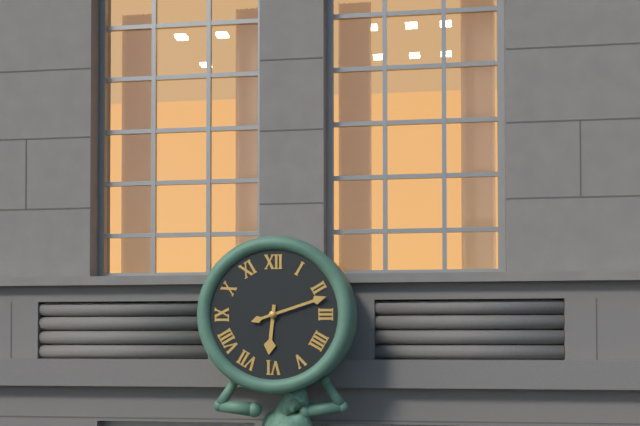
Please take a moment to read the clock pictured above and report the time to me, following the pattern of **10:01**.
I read **6:12**
